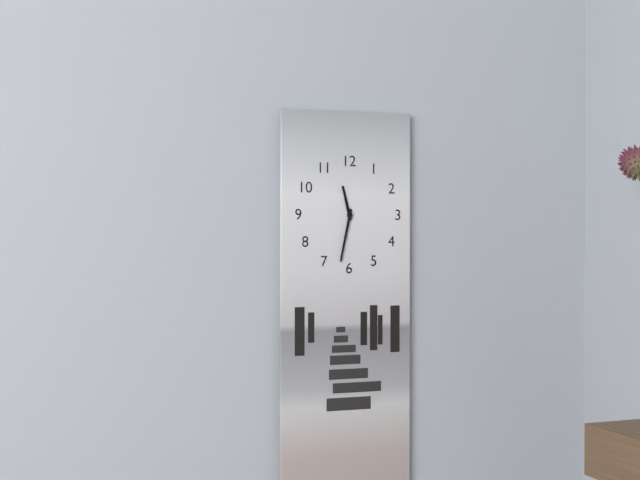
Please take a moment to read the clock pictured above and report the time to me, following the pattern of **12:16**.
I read **11:32**
